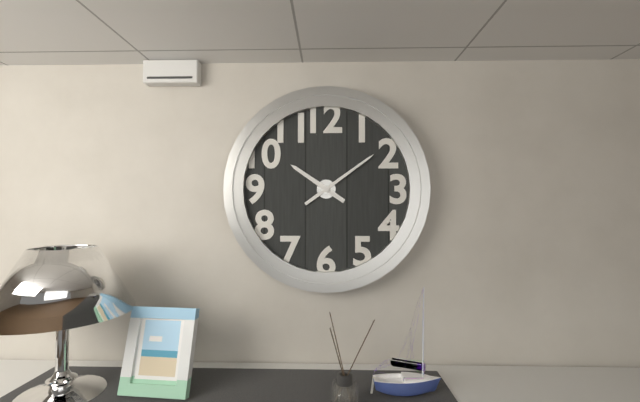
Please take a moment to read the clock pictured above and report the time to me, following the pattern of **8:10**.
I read **10:09**
